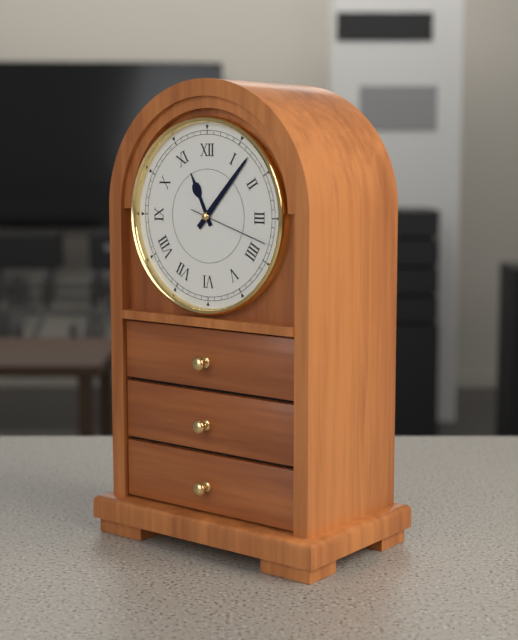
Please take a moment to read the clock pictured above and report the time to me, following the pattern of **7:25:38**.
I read **11:07:18**
